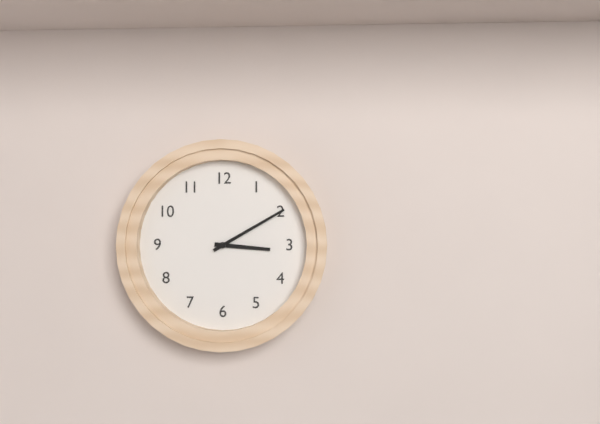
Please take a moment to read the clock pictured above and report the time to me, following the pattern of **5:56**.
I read **3:10**
